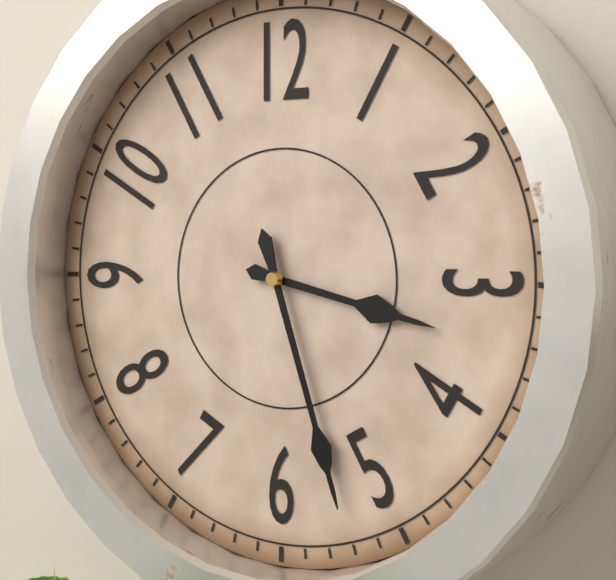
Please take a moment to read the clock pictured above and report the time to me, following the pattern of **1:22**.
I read **3:27**
